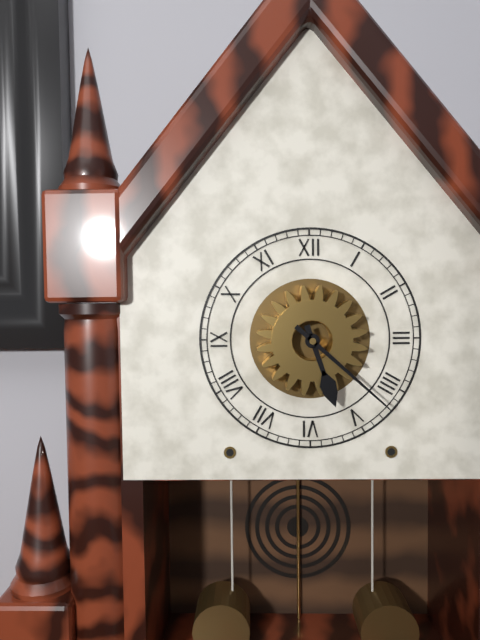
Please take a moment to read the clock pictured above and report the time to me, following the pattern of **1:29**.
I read **5:22**
